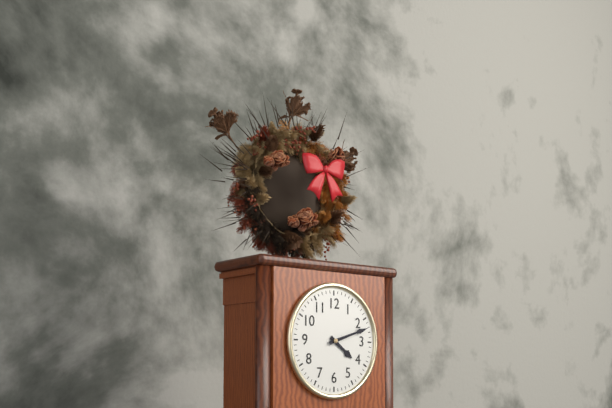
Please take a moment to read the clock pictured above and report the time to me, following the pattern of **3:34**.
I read **4:12**
